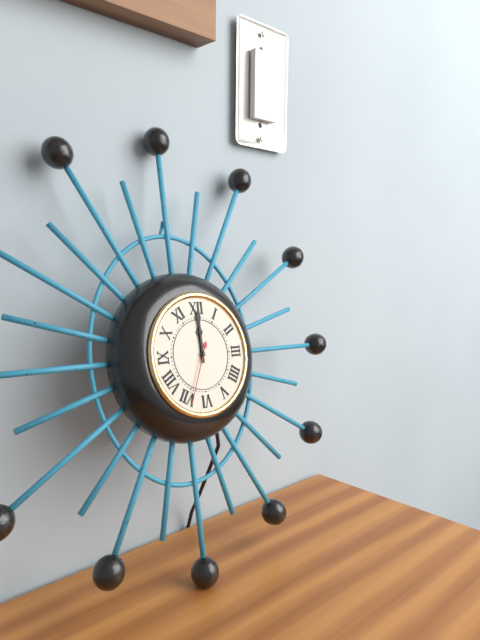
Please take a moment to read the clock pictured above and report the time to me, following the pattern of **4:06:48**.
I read **12:00:34**
